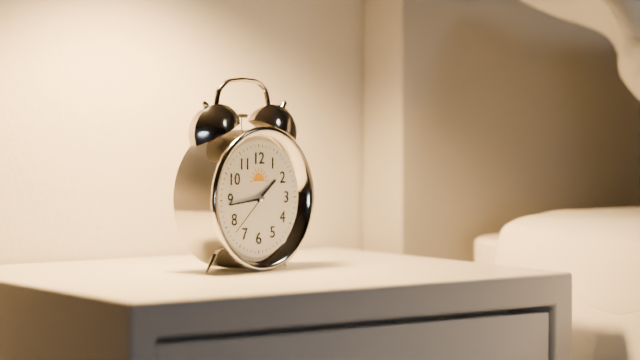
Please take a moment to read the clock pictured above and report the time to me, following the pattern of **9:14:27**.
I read **1:44:38**
